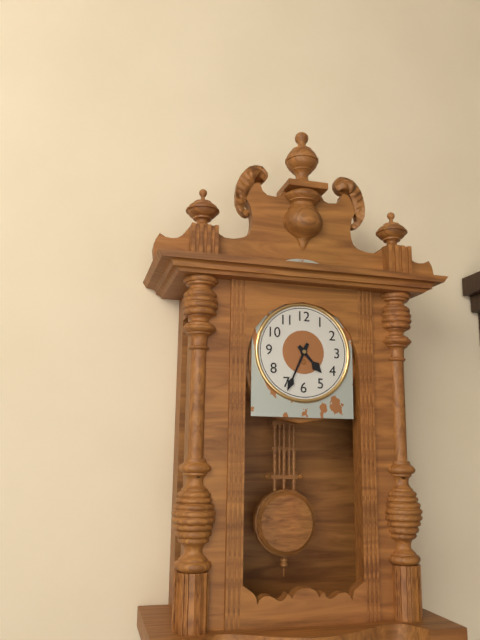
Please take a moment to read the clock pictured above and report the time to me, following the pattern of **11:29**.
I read **4:34**
